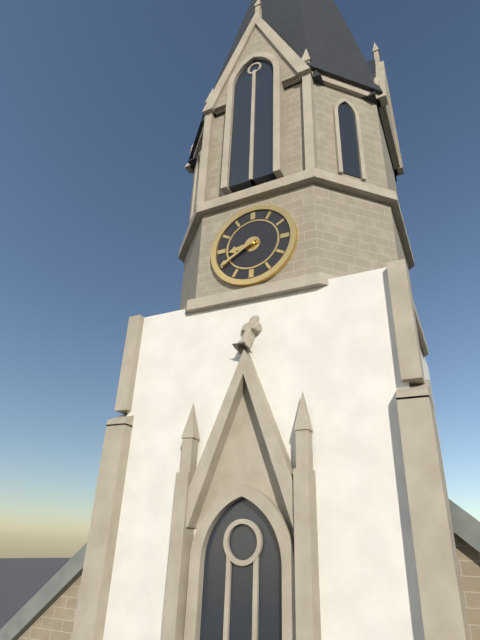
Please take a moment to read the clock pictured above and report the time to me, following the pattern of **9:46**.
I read **8:40**
